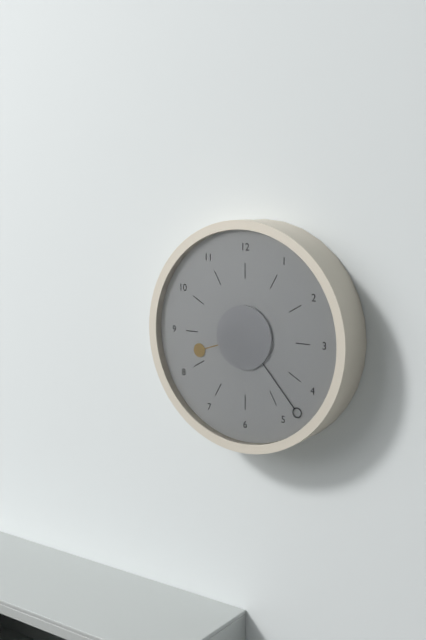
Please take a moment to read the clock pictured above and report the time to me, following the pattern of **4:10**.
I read **8:23**
